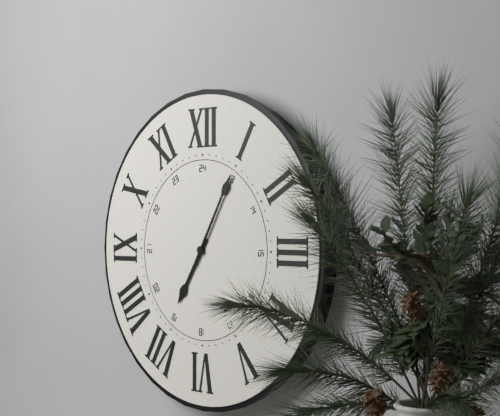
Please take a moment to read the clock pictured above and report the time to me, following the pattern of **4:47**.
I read **7:05**
